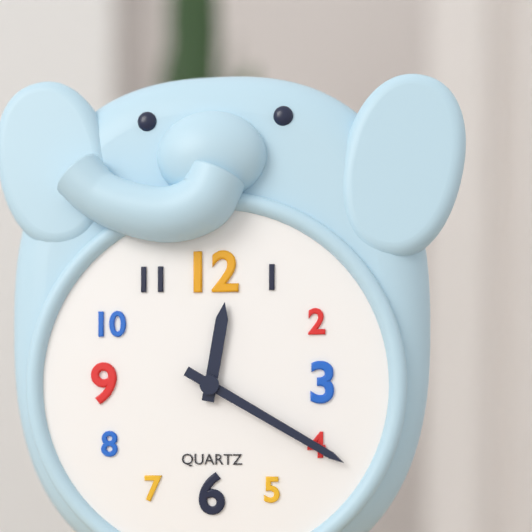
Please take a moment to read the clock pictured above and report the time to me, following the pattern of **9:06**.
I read **12:20**
